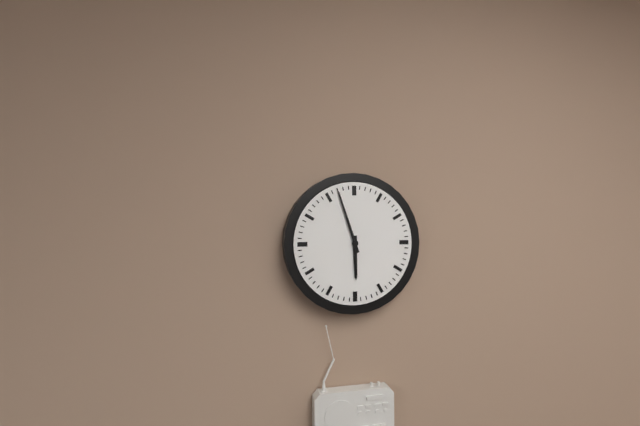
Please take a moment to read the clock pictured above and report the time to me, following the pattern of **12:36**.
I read **5:57**
